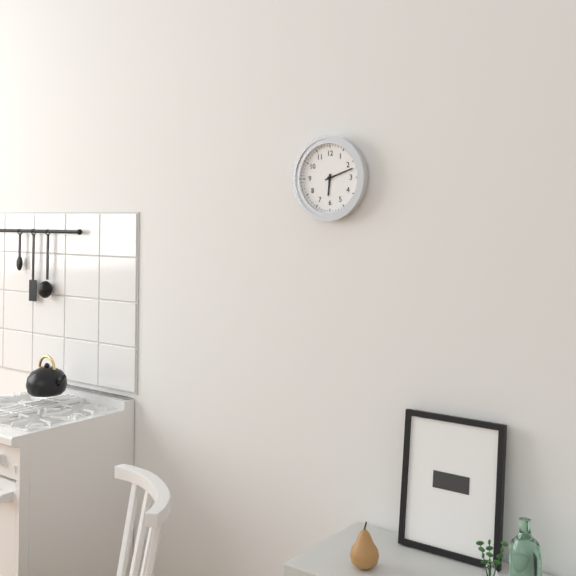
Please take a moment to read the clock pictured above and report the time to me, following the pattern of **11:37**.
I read **6:12**
